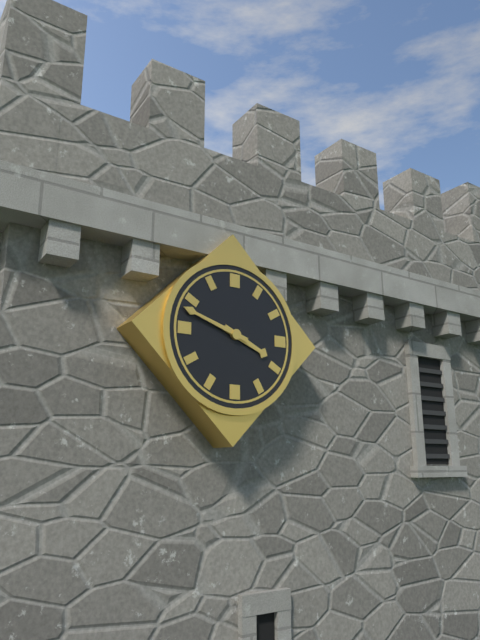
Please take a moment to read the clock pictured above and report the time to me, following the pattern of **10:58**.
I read **3:48**
